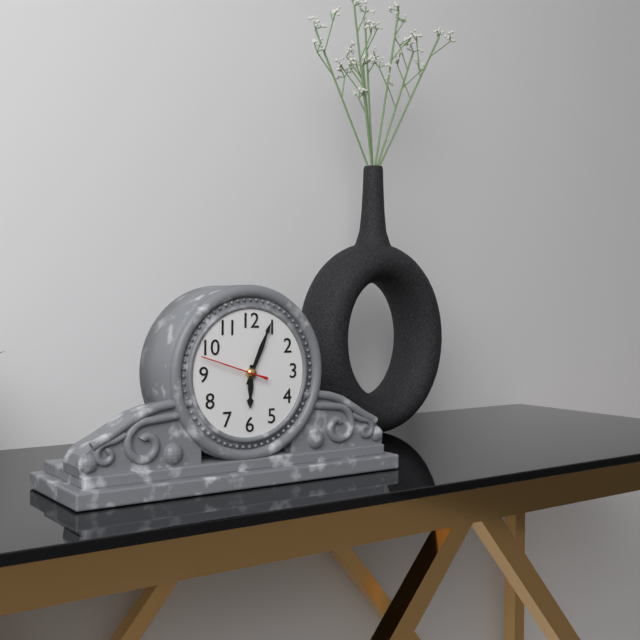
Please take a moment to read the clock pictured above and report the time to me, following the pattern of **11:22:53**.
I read **6:04:48**
